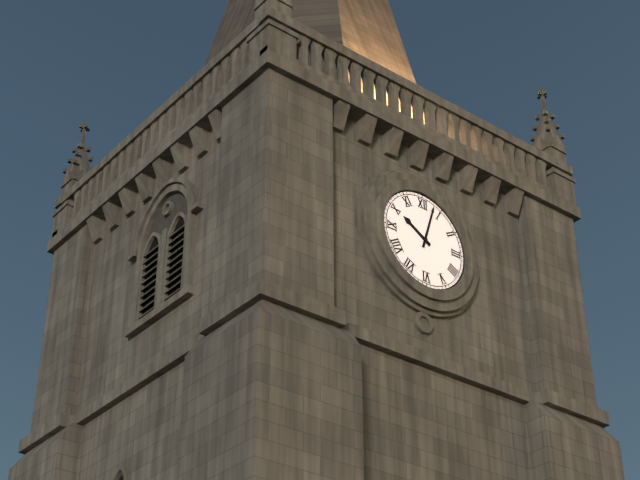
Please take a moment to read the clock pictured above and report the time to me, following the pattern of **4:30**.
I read **10:03**
